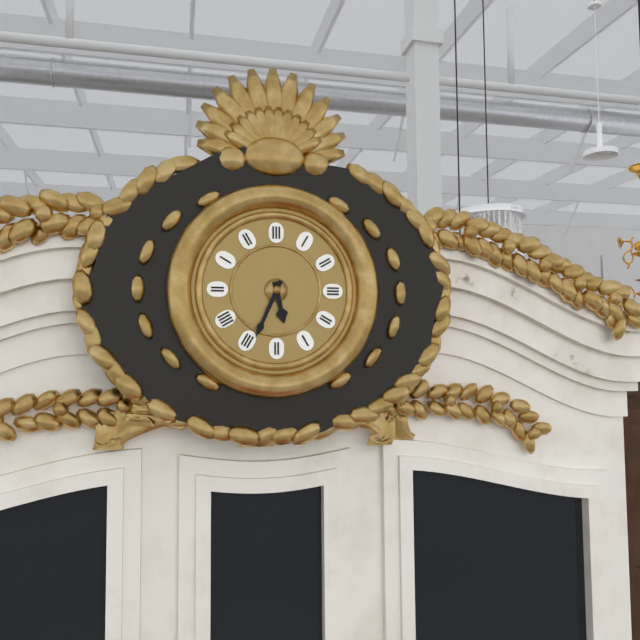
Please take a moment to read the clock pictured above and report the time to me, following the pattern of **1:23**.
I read **5:34**
